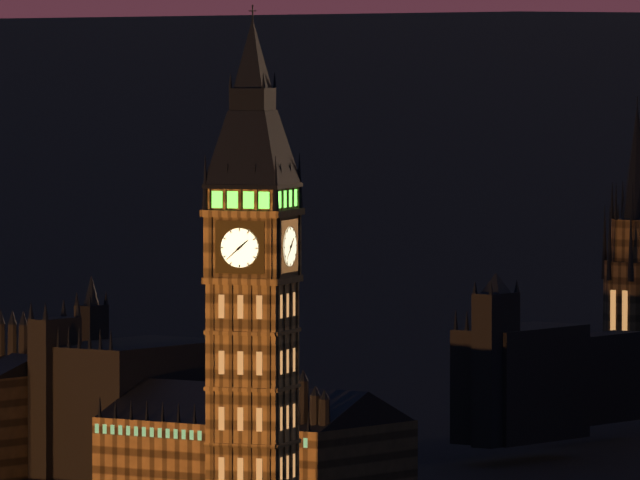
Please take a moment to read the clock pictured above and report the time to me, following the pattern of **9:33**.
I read **1:38**
